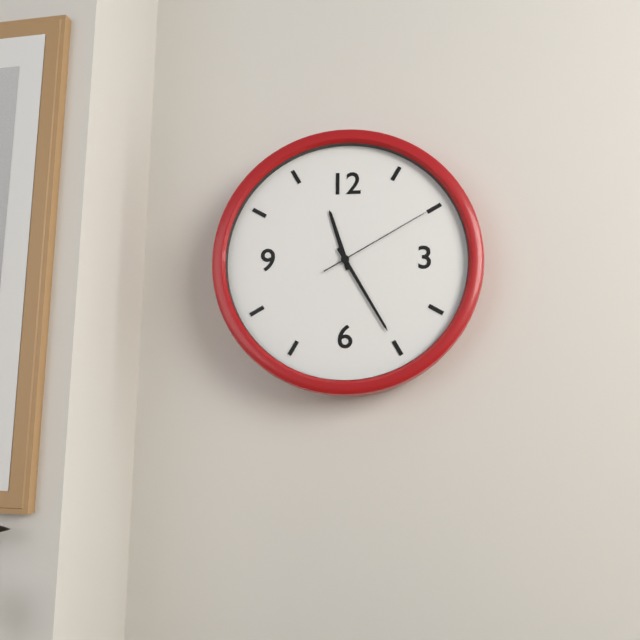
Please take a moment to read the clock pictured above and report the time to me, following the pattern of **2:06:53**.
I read **11:25:10**
